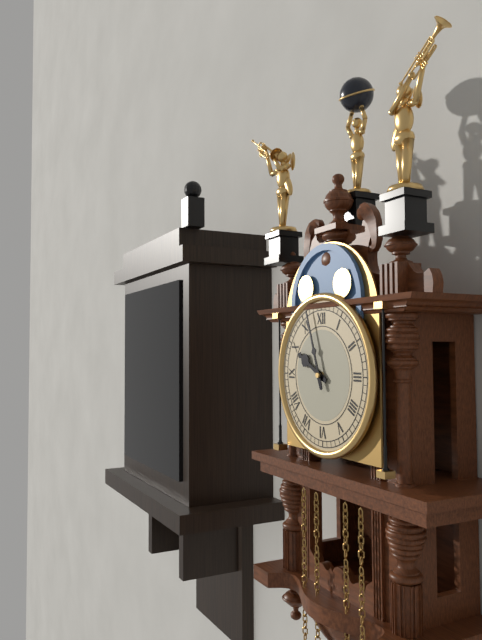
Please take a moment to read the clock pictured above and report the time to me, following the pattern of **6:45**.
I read **9:57**
